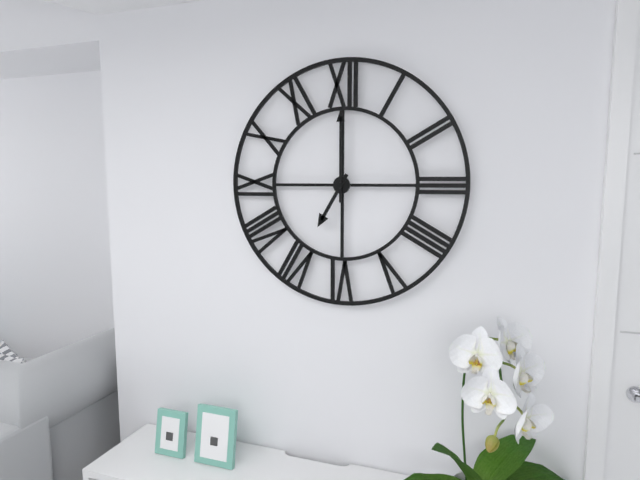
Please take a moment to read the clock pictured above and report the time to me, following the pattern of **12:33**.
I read **7:00**
